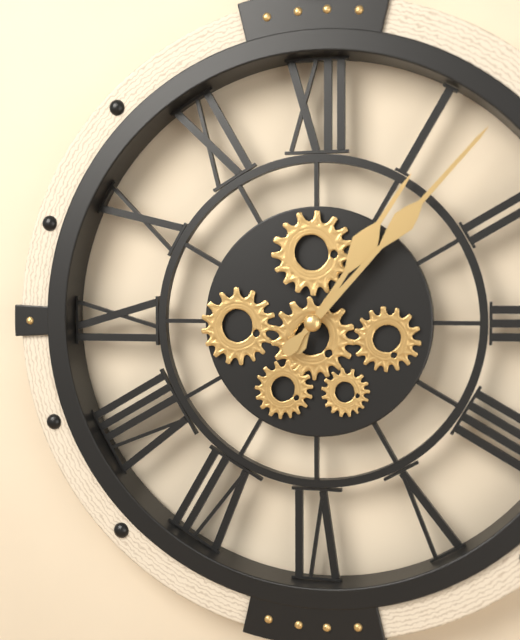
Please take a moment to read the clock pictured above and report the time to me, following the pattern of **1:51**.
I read **1:07**
